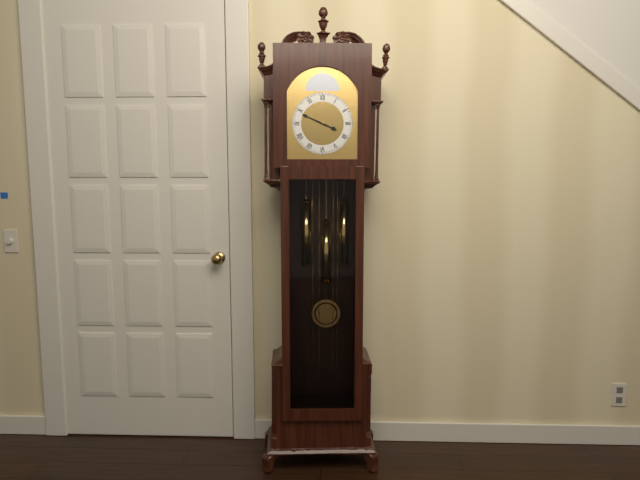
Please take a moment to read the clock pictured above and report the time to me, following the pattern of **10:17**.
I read **3:49**
